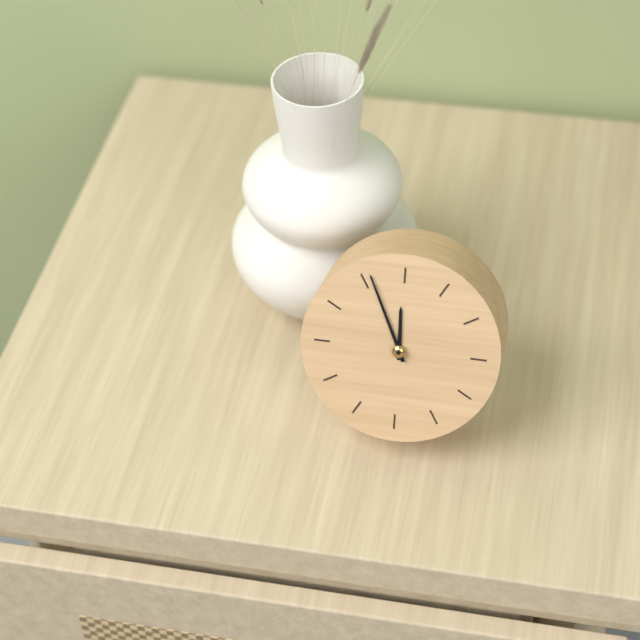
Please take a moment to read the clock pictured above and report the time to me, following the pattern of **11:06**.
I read **11:56**
